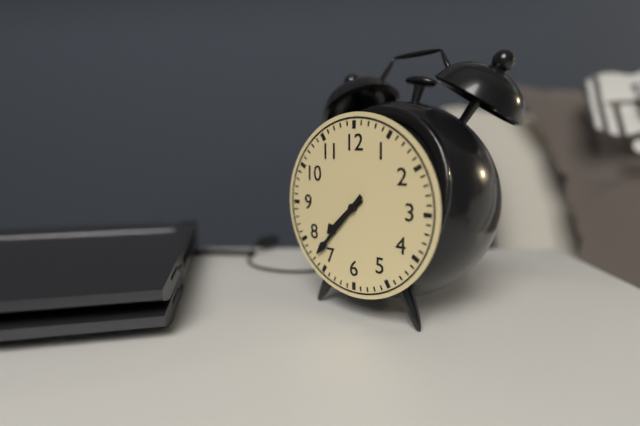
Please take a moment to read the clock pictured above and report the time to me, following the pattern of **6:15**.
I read **7:37**
